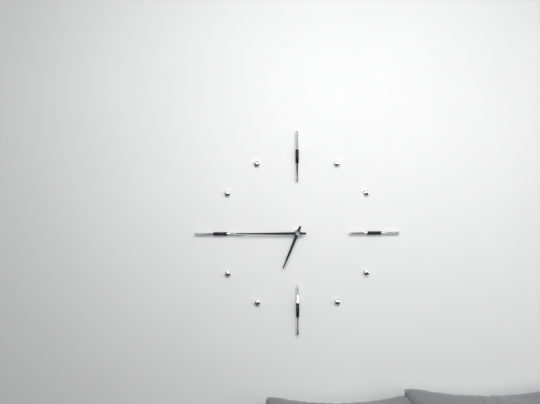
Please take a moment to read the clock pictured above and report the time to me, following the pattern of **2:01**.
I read **6:45**
